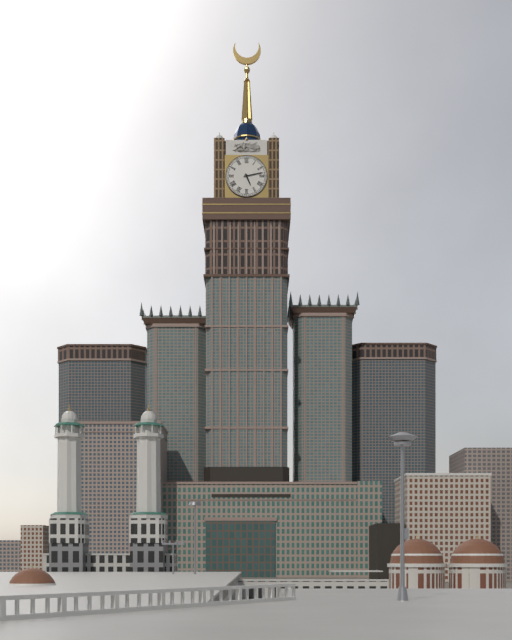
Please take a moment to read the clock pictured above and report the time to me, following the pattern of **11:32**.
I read **5:13**
